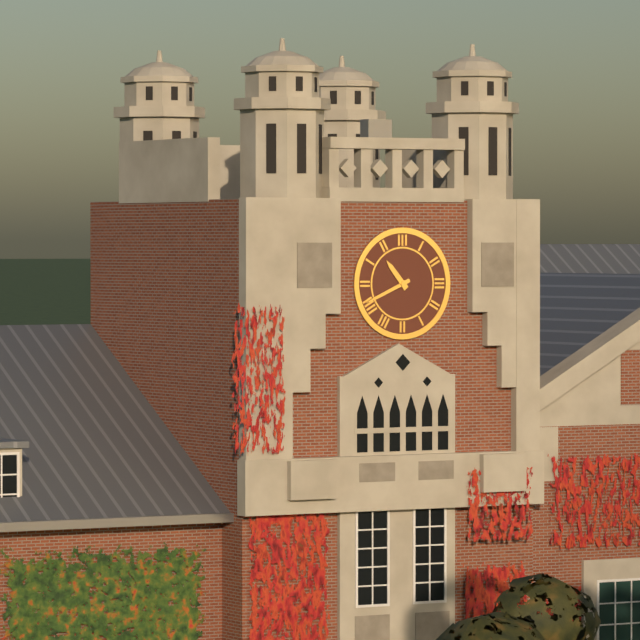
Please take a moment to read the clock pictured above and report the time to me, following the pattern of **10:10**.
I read **10:41**
